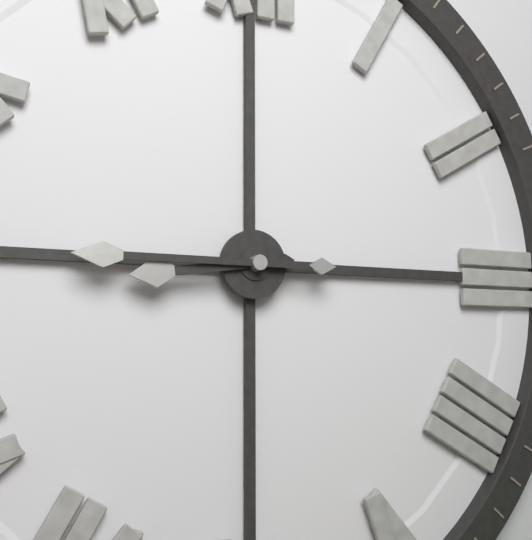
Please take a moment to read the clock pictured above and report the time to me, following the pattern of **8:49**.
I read **8:45**
